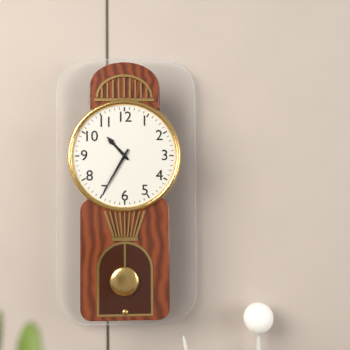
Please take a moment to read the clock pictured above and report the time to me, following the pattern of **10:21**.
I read **10:35**
